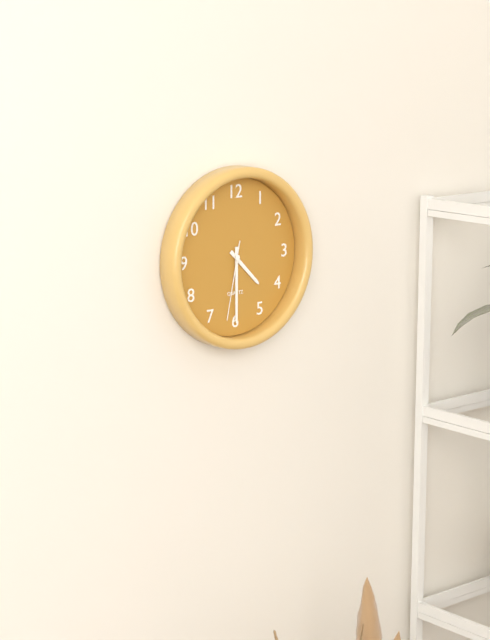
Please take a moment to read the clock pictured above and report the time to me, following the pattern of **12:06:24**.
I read **4:30:32**
